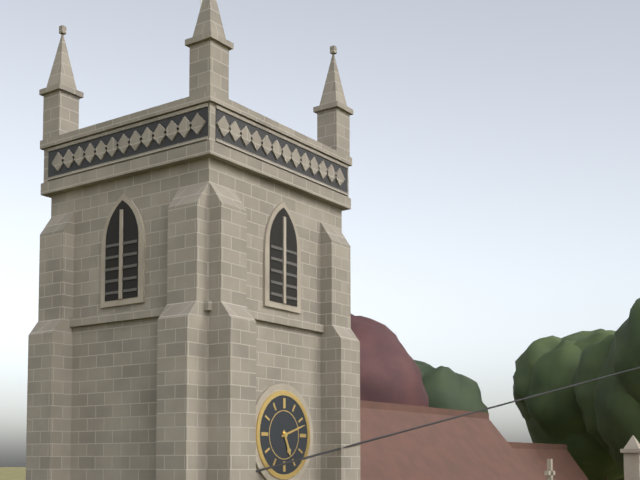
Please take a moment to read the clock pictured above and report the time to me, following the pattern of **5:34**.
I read **5:12**
